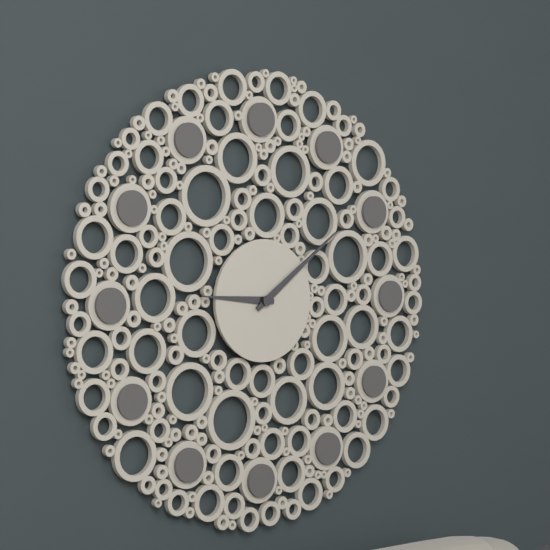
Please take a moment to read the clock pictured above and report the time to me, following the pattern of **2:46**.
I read **9:09**
